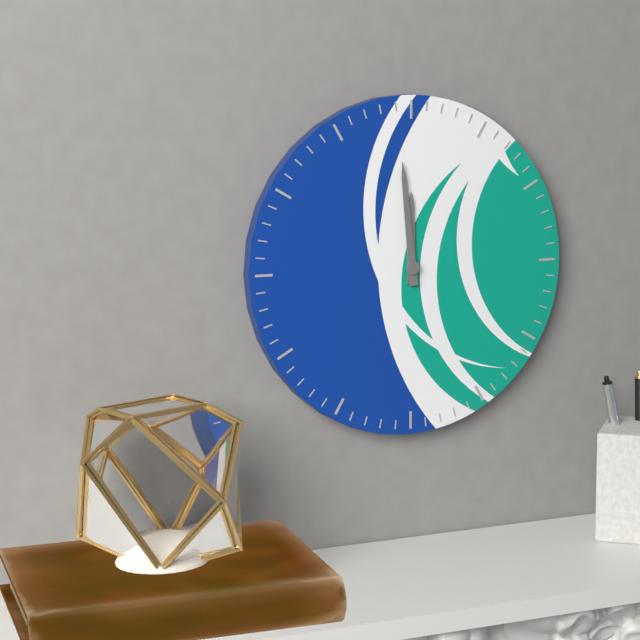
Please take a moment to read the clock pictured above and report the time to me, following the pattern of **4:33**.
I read **11:59**
